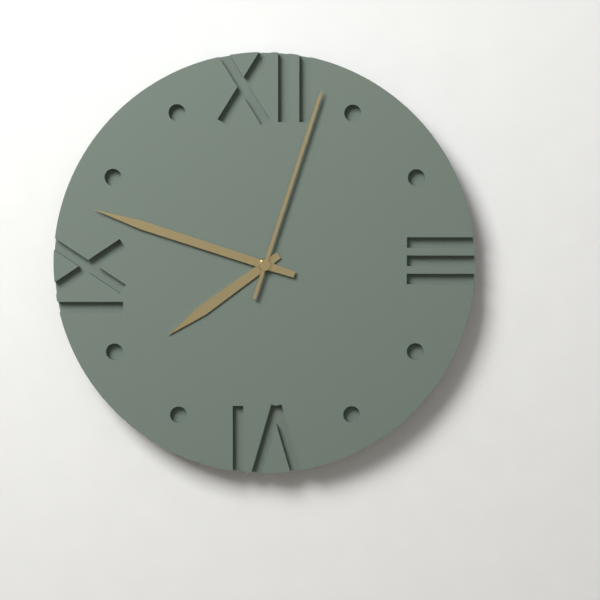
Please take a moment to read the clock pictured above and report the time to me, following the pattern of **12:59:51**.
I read **7:48:03**
